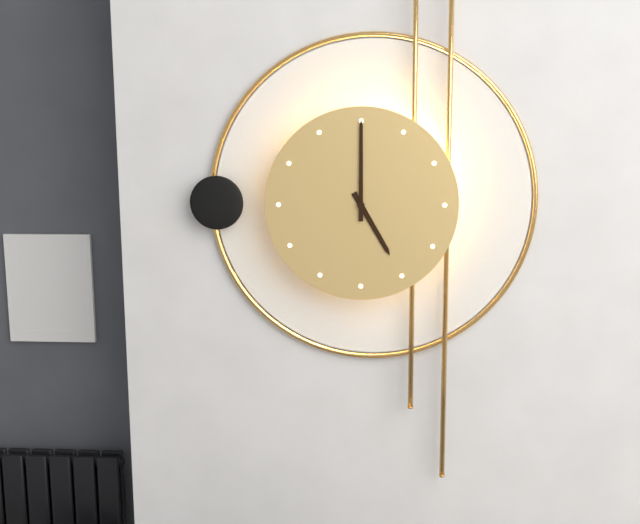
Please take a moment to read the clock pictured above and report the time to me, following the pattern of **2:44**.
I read **5:00**
